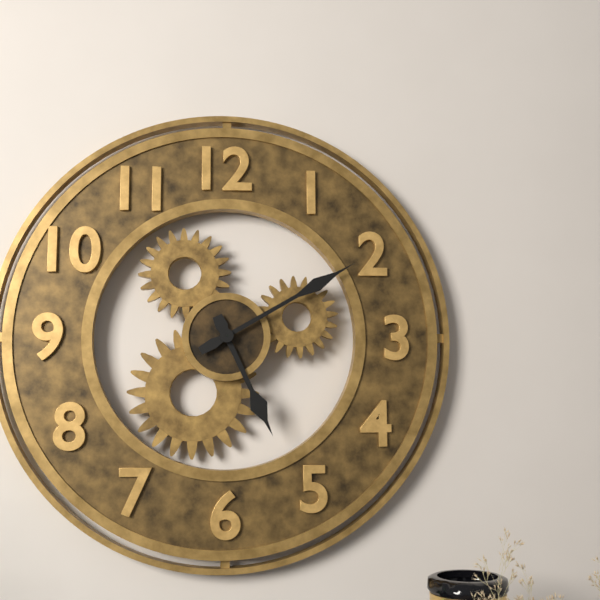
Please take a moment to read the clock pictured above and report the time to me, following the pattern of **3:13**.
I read **5:10**
